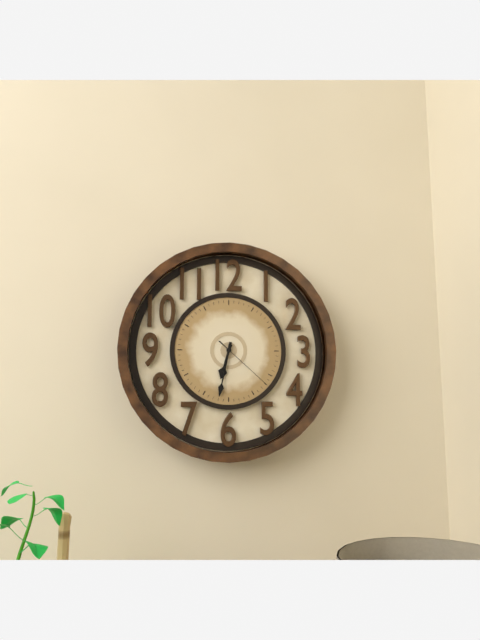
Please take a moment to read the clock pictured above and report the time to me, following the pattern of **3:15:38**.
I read **6:32:22**
